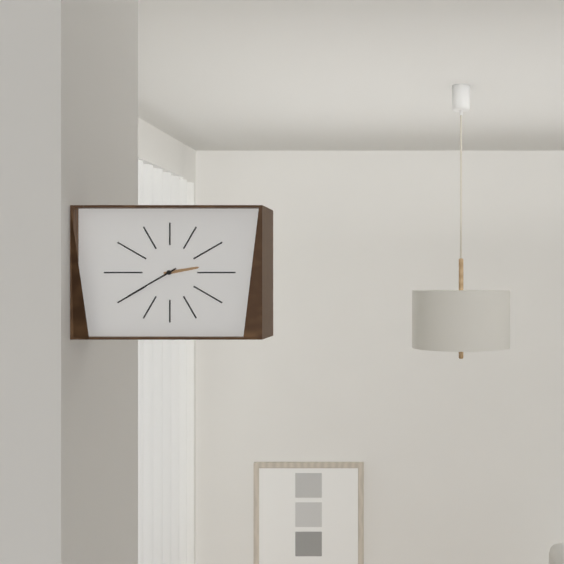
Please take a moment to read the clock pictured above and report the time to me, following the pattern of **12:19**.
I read **2:40**
